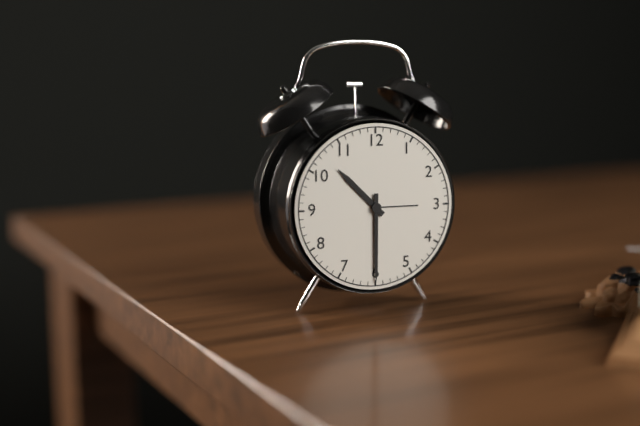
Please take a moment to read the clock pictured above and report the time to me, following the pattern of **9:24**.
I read **10:30**
